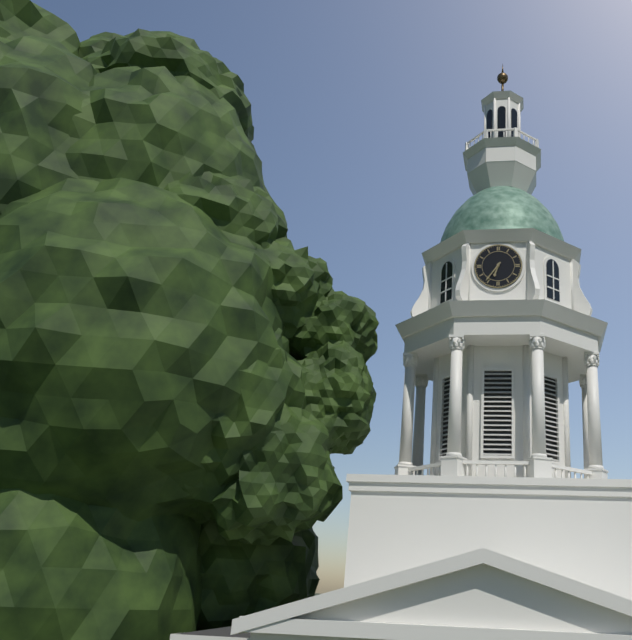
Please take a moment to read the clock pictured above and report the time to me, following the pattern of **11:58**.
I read **6:36**
